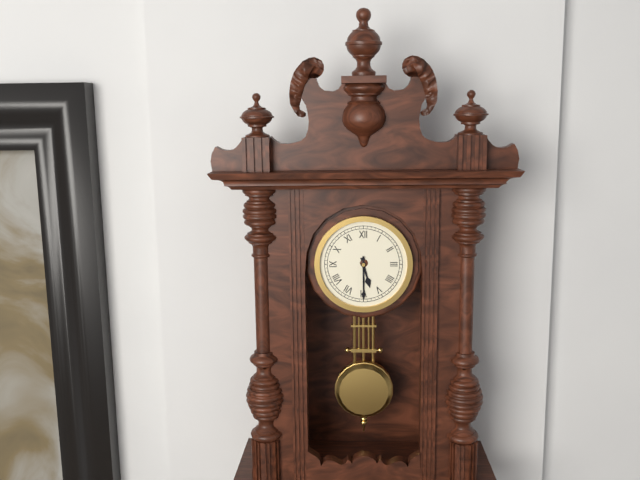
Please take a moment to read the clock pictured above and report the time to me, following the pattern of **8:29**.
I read **5:30**
